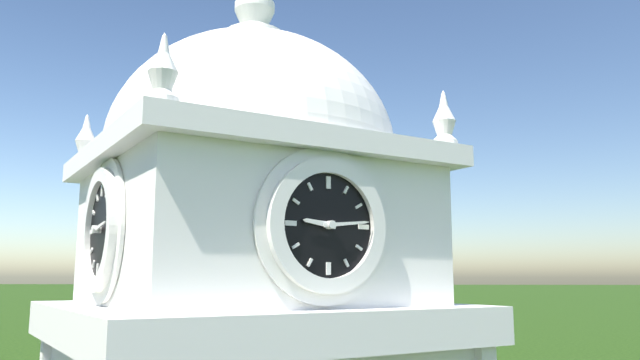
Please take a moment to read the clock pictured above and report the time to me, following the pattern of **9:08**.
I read **9:14**
